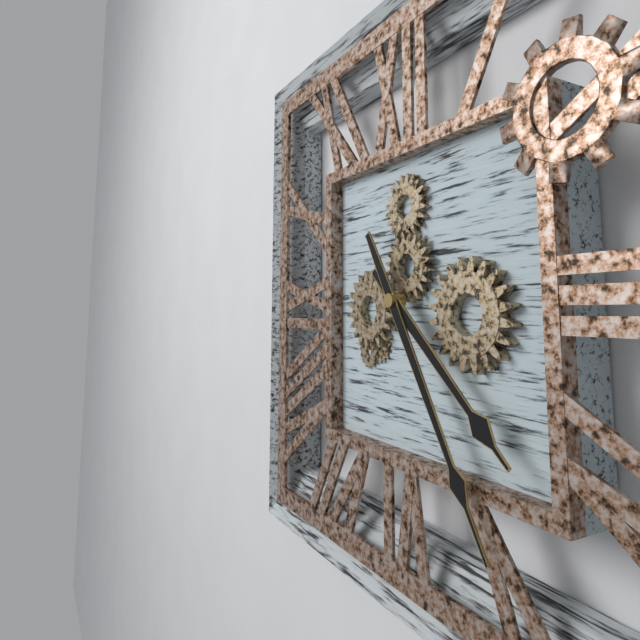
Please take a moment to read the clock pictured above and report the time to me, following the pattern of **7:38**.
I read **4:25**
